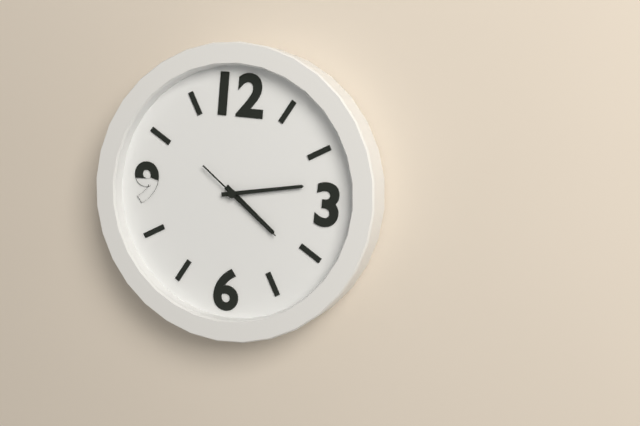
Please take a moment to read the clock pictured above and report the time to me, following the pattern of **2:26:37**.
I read **4:13:21**
